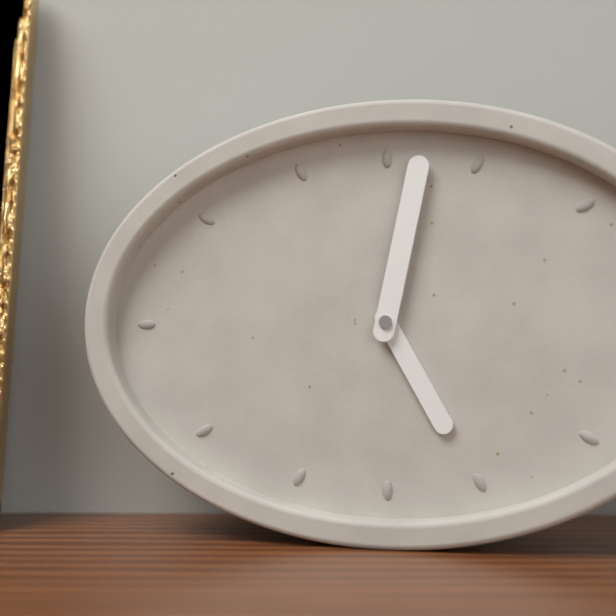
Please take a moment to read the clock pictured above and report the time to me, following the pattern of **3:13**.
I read **5:02**
